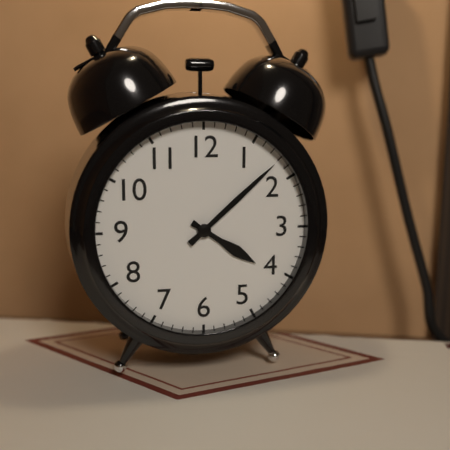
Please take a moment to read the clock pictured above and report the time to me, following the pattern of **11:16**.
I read **4:08**
